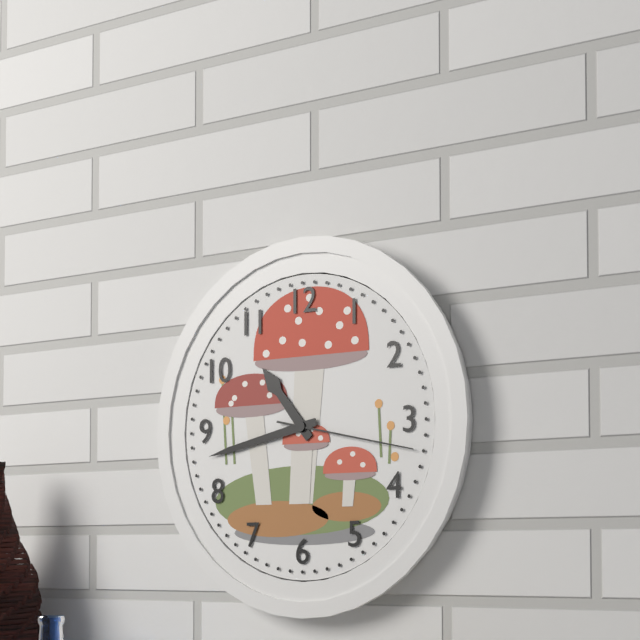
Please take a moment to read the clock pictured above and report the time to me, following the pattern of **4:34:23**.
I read **10:43:17**
